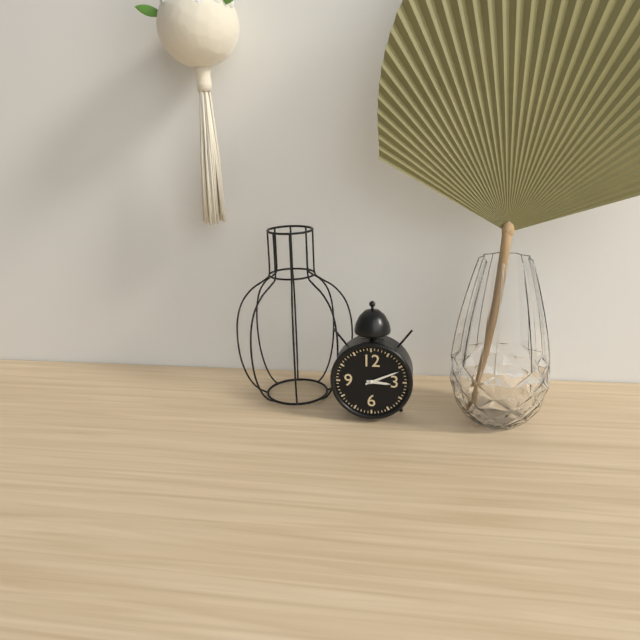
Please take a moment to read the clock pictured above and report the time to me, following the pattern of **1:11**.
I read **3:11**
